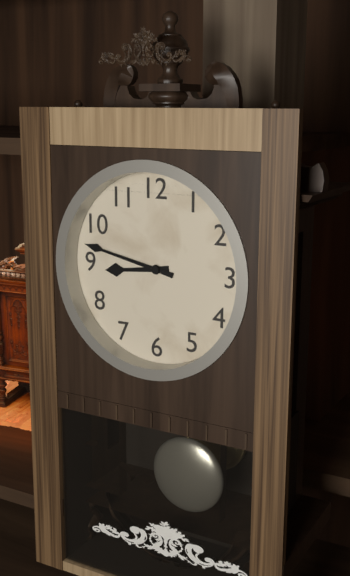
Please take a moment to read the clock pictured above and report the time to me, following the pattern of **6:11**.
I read **8:47**
